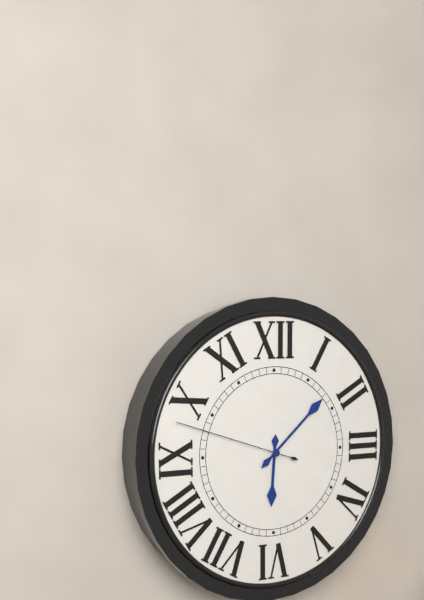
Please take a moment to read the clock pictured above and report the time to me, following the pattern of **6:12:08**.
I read **6:08:48**
